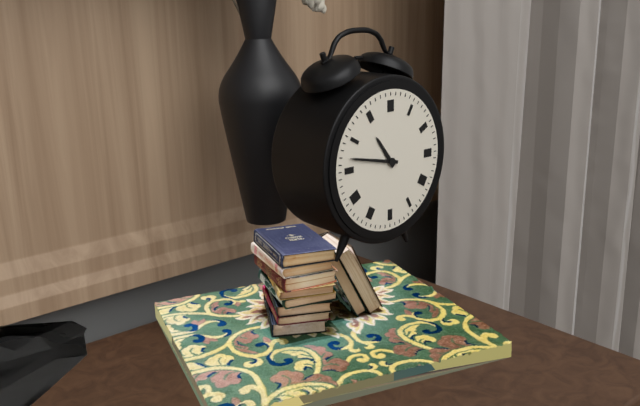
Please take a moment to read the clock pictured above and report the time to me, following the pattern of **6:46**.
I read **10:47**
